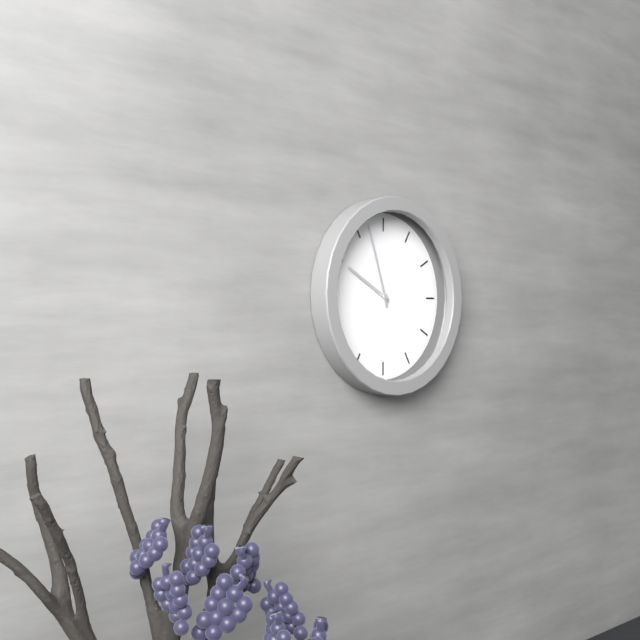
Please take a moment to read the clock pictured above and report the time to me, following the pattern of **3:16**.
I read **9:57**
